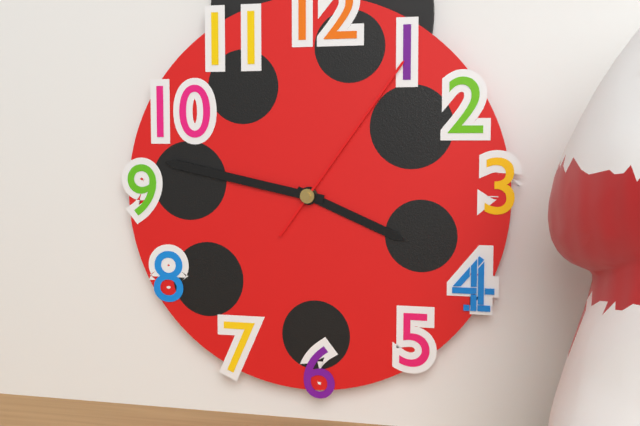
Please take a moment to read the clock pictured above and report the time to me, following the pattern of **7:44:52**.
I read **3:47:06**
